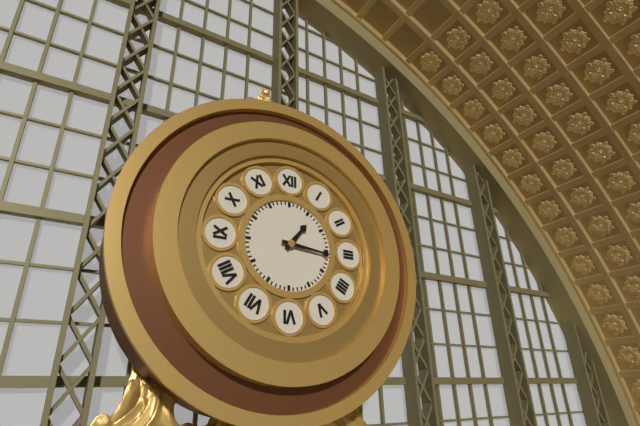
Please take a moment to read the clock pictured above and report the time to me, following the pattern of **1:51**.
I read **1:16**
